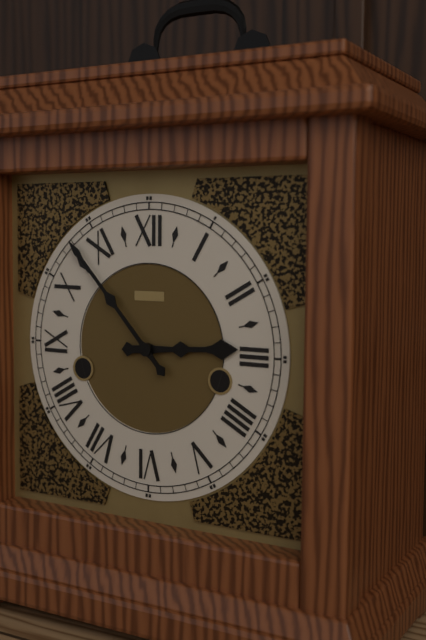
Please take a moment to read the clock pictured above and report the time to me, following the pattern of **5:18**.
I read **2:53**
